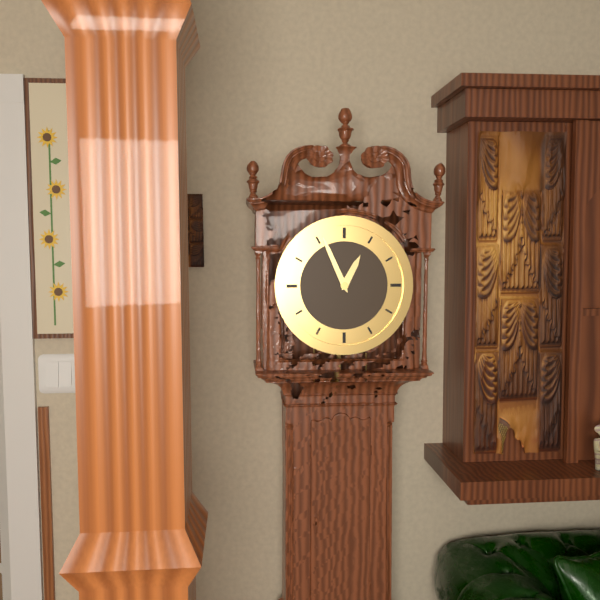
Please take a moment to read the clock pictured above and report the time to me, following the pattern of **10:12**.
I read **12:56**
